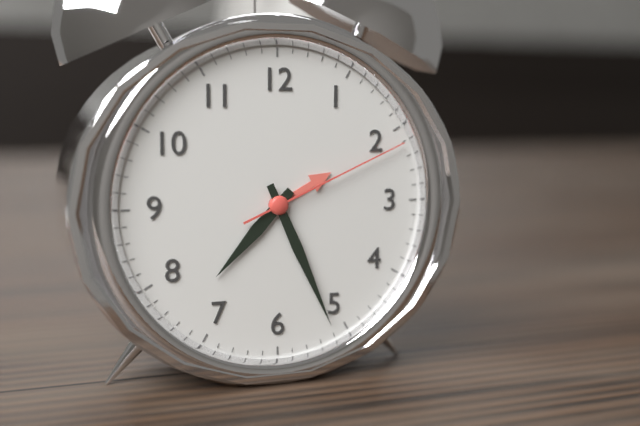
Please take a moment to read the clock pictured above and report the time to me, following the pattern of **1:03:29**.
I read **7:26:11**
